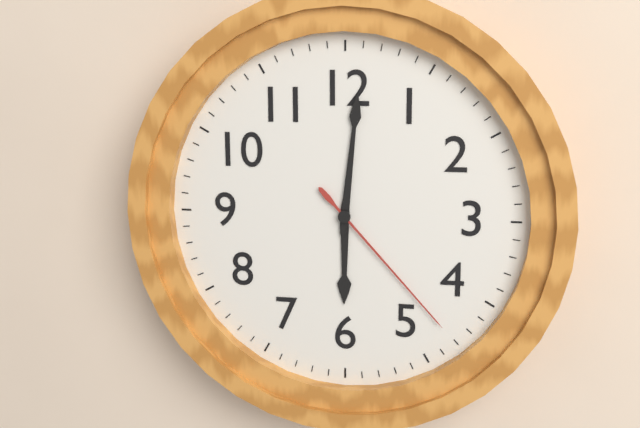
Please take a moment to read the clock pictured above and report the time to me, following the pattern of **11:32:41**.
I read **6:01:23**
